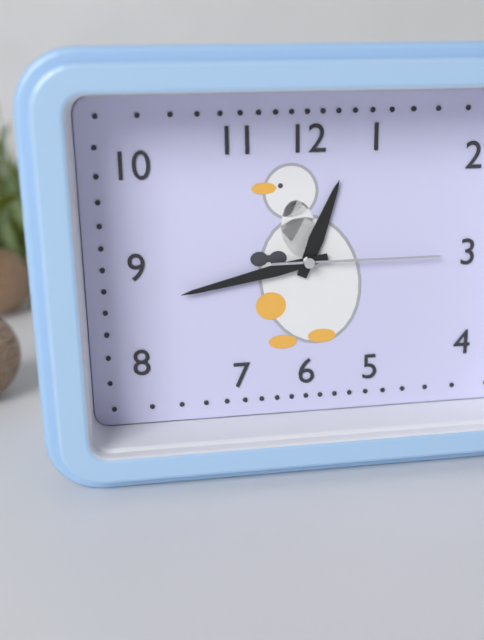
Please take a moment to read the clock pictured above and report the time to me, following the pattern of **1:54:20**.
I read **12:43:15**
